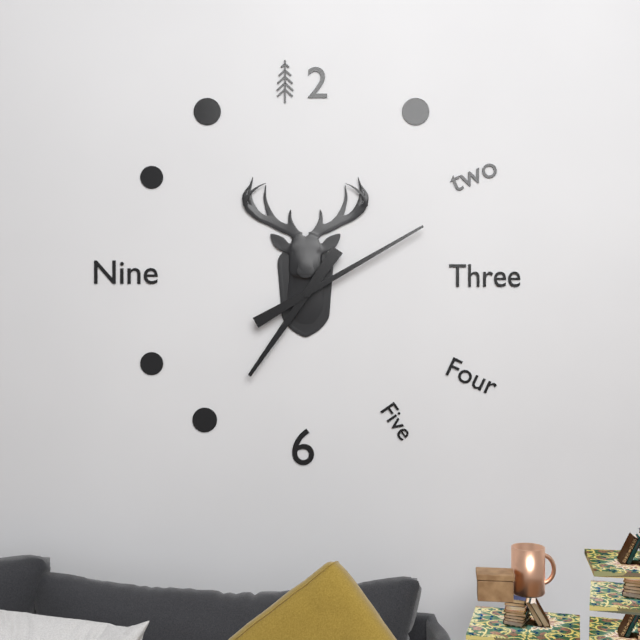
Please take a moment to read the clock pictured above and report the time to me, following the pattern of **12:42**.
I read **7:10**
